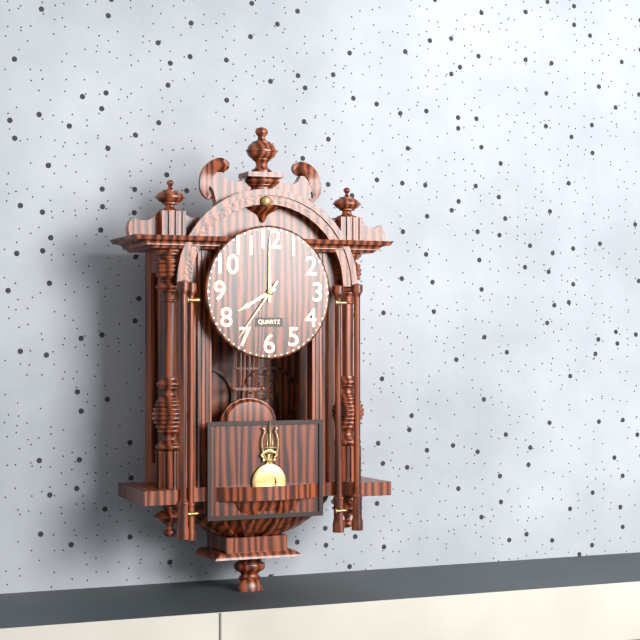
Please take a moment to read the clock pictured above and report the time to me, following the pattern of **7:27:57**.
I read **8:00:36**
